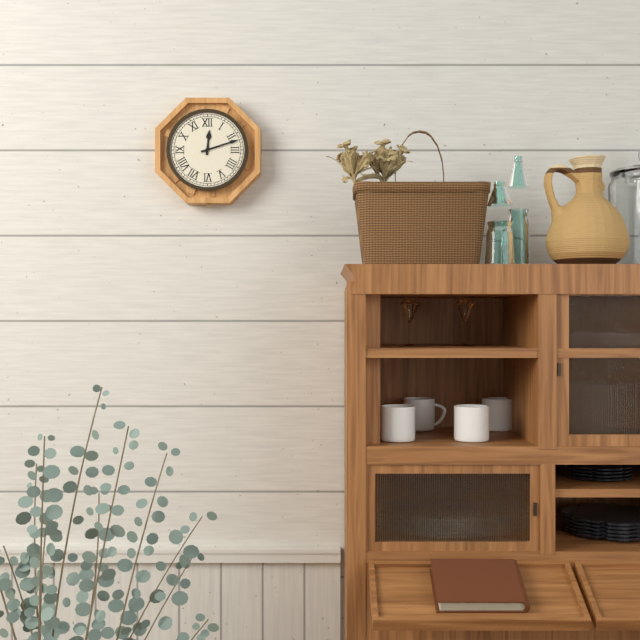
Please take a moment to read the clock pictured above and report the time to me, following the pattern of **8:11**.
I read **12:12**
